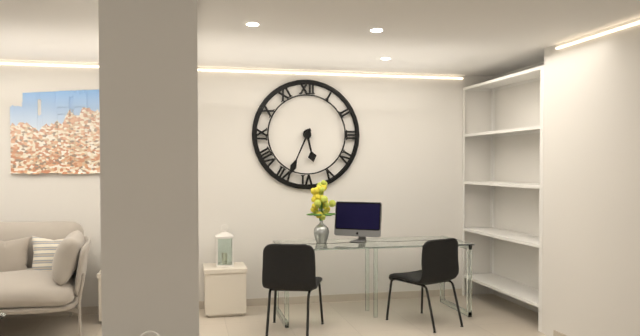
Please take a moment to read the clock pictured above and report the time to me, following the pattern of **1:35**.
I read **5:34**
